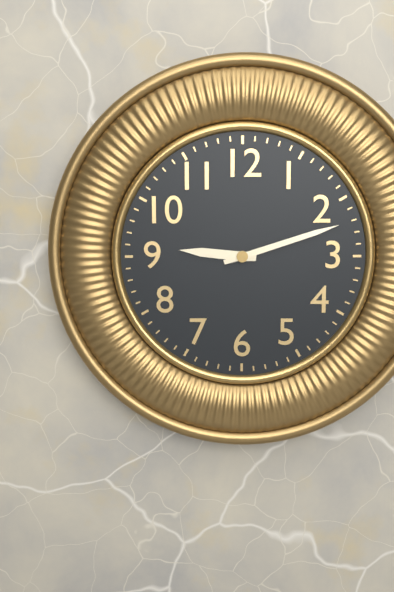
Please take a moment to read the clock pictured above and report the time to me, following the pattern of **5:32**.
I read **9:12**
